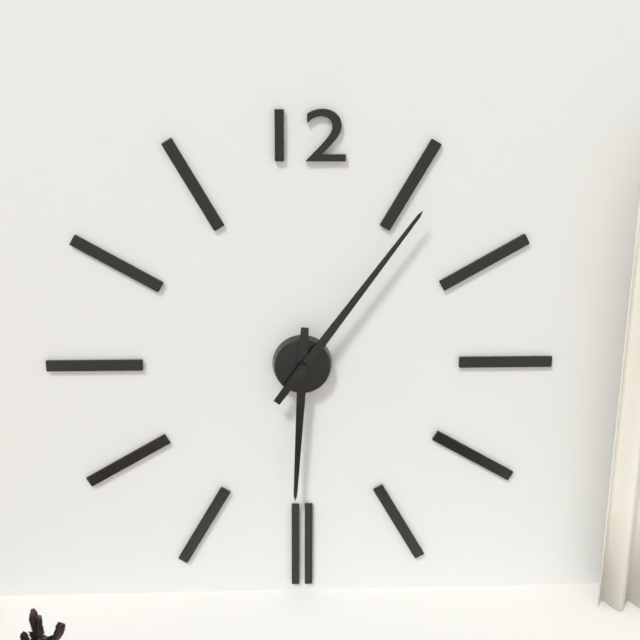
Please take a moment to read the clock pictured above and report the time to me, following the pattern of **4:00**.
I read **6:06**
